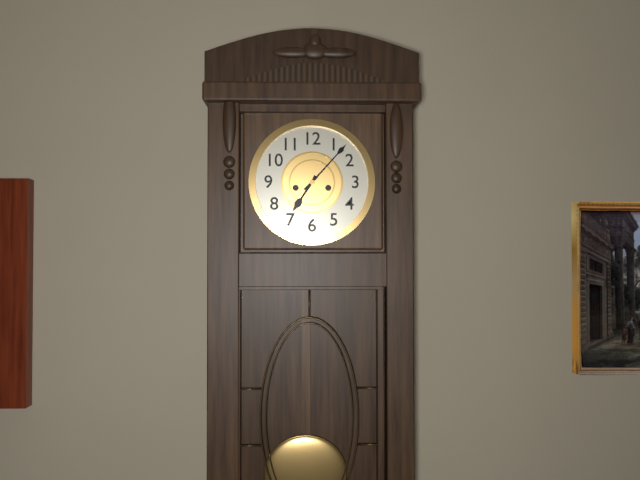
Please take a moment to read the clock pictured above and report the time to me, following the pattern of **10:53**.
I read **7:07**
